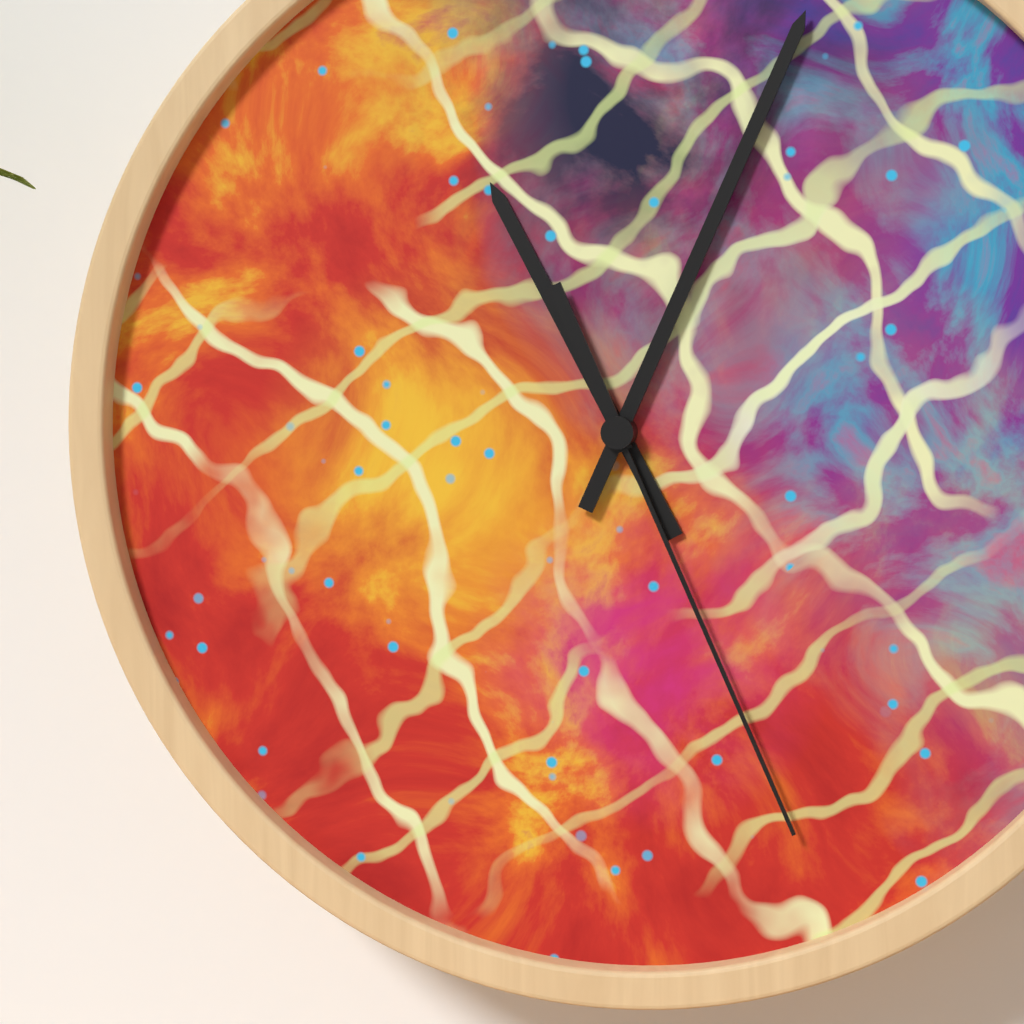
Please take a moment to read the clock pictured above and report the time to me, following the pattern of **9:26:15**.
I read **11:04:26**
